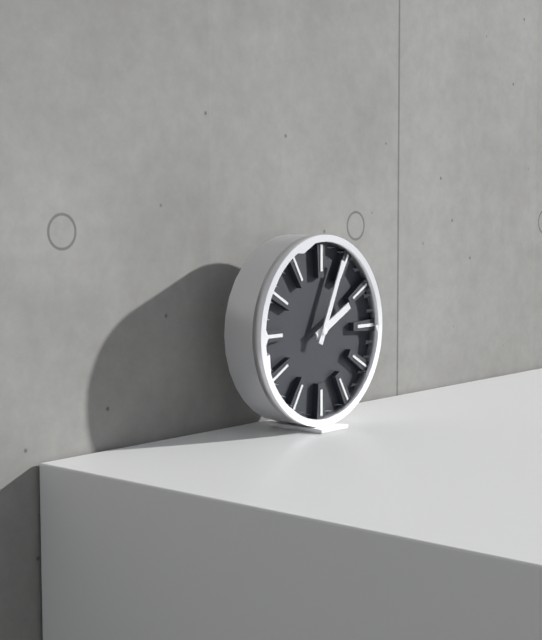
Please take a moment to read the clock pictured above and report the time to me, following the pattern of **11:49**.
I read **2:04**
